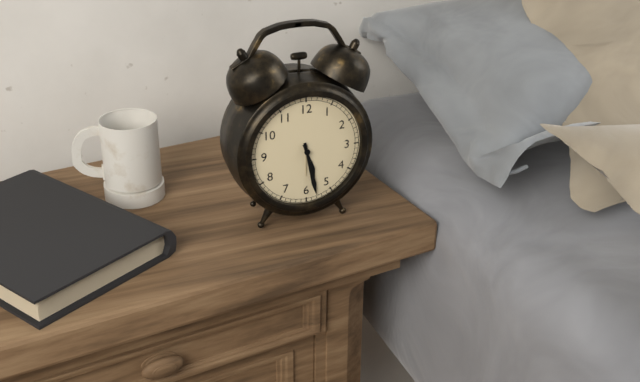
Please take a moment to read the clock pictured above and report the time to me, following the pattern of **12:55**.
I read **5:28**
